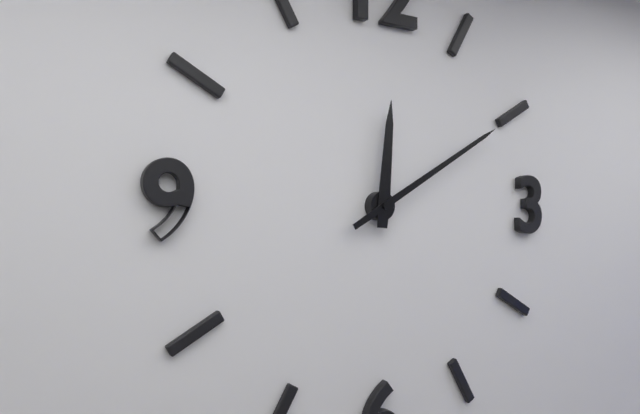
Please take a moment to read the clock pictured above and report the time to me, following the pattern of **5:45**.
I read **12:10**
